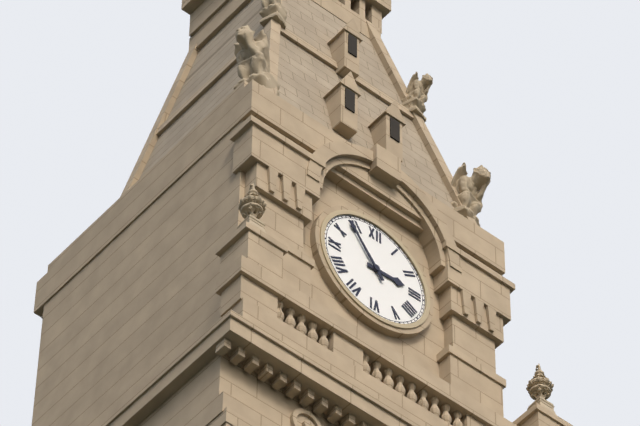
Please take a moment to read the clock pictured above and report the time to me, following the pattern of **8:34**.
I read **2:54**
